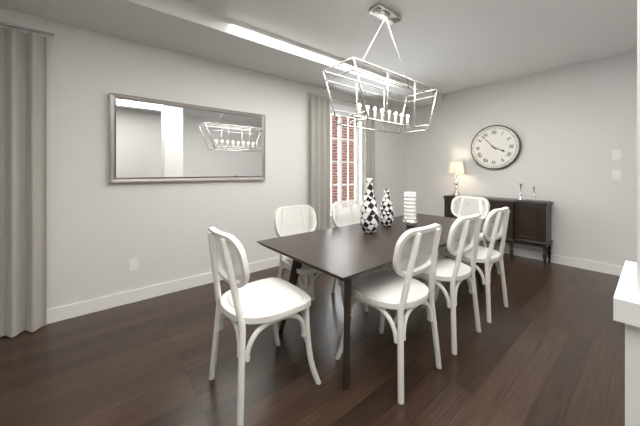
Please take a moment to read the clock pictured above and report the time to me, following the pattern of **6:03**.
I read **3:53**
